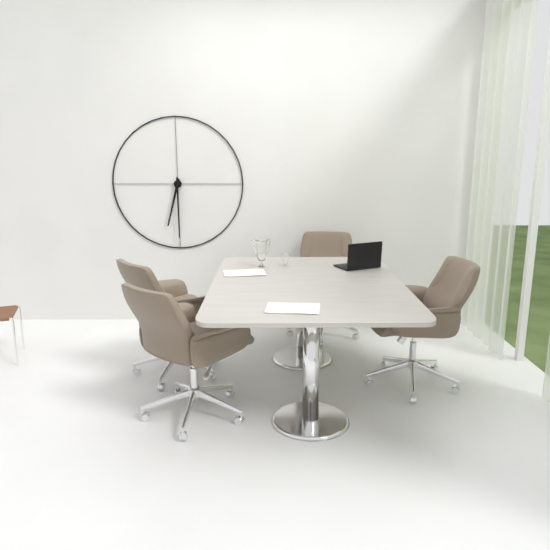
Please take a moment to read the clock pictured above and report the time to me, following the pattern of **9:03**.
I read **6:30**
